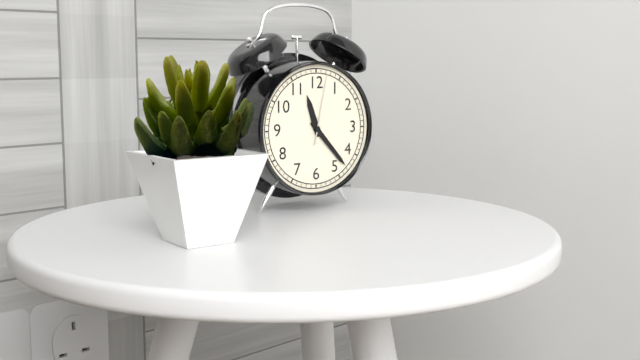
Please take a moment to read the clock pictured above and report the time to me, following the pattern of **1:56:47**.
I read **11:23:02**
